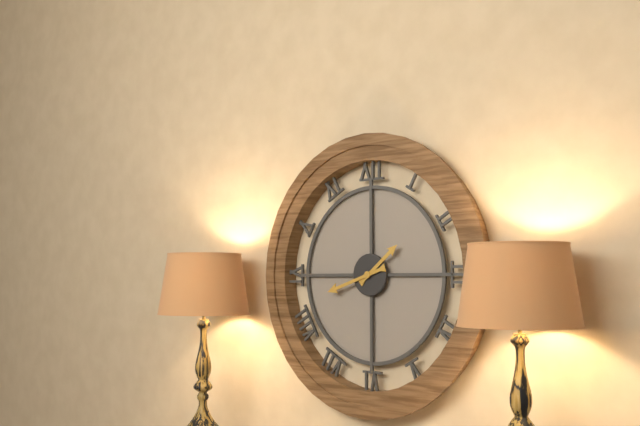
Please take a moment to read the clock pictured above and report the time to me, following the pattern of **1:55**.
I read **1:42**
